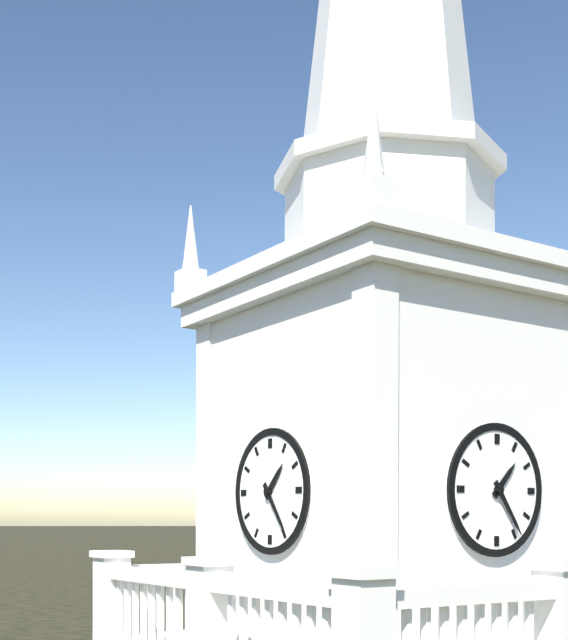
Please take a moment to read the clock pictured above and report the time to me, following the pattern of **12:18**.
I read **1:24**
